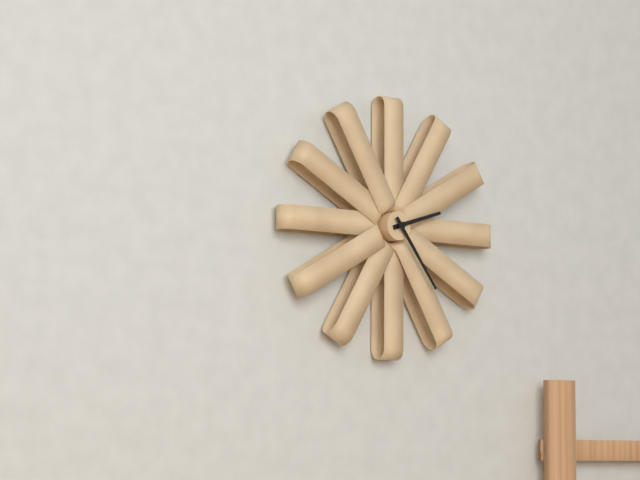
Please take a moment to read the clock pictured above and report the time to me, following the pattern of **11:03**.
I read **2:24**
